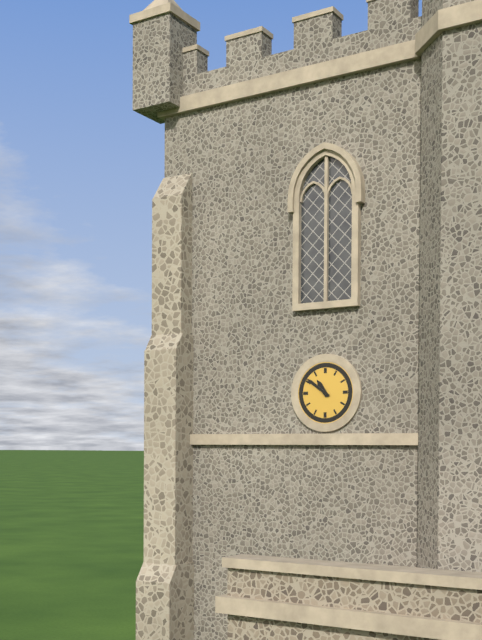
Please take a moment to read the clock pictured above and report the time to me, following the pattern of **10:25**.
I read **10:51**
